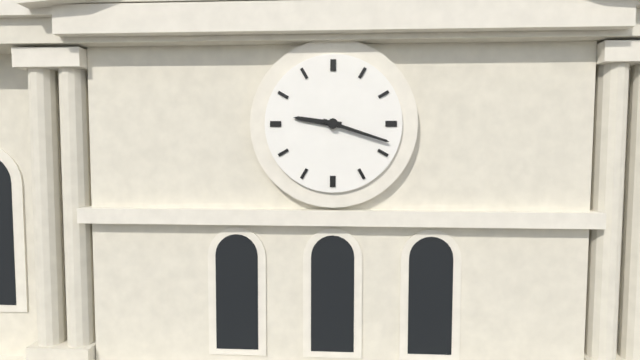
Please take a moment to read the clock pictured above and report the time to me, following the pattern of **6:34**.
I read **9:18**
